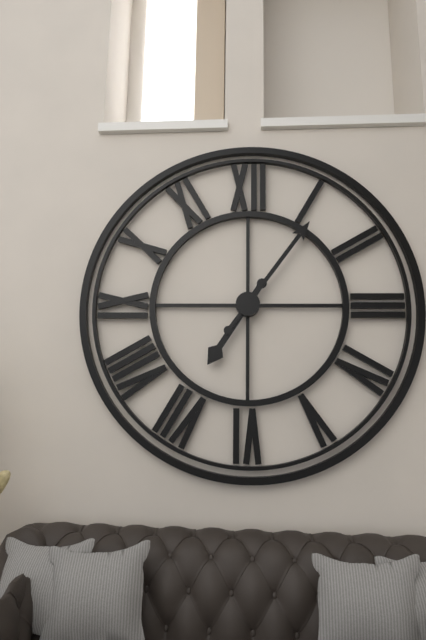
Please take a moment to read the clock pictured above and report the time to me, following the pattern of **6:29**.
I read **7:06**
